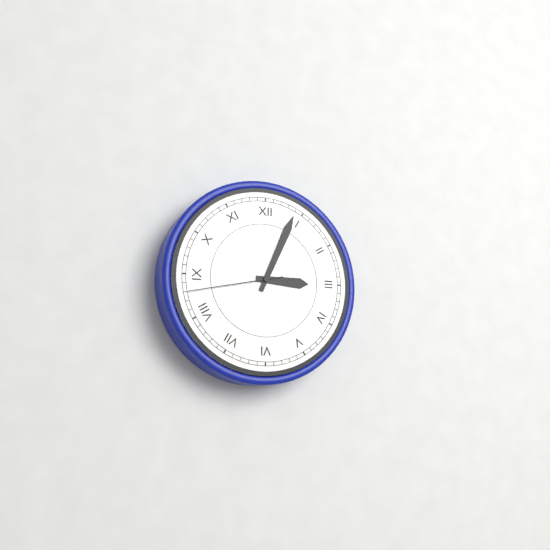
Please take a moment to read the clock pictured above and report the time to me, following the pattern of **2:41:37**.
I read **3:04:43**
